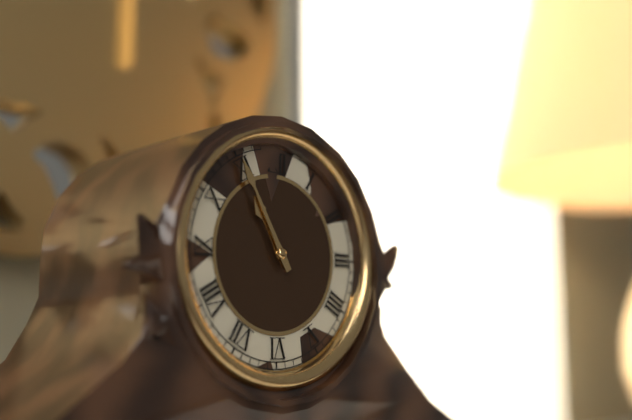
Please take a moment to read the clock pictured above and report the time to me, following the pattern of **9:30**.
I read **10:55**
